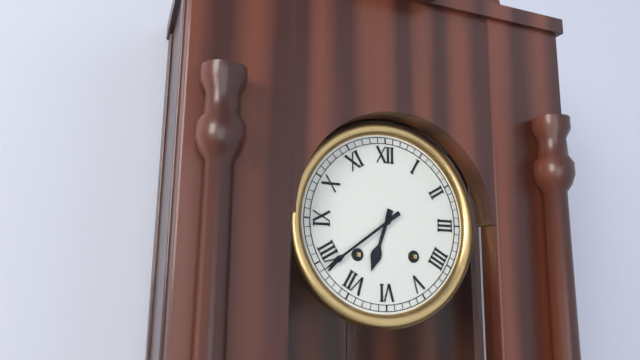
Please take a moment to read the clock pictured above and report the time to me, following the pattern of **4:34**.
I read **6:39**
